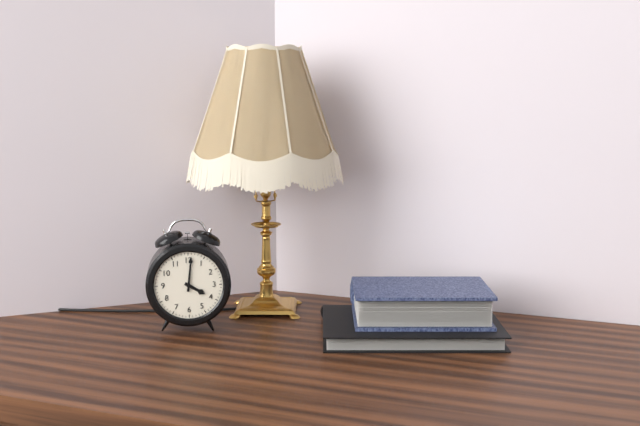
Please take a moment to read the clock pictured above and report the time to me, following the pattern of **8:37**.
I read **4:01**
